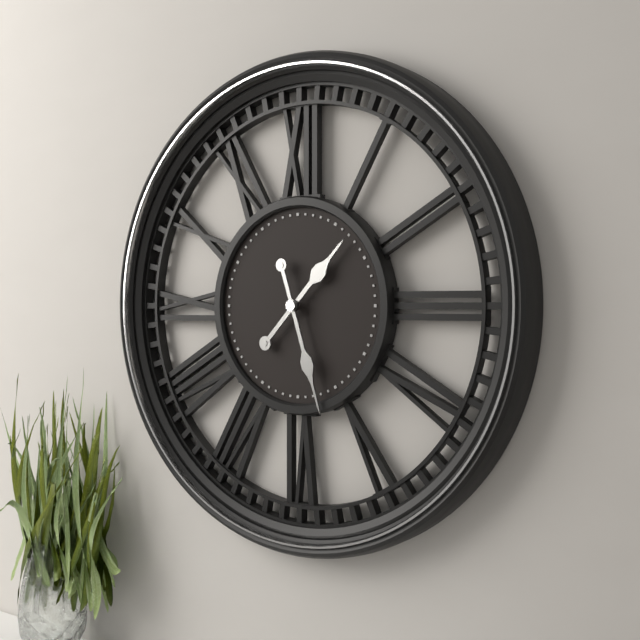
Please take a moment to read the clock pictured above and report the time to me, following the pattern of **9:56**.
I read **1:27**
